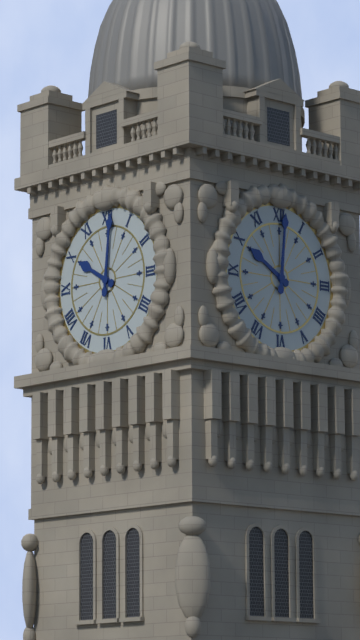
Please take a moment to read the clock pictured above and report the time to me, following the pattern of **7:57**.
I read **10:01**
